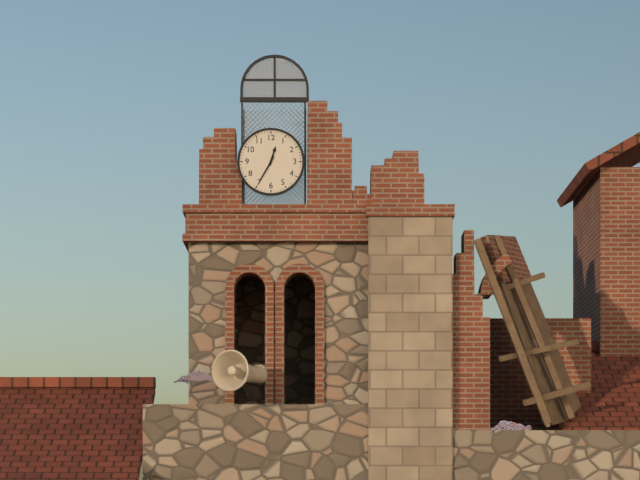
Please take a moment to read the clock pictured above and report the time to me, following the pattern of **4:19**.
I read **12:35**
